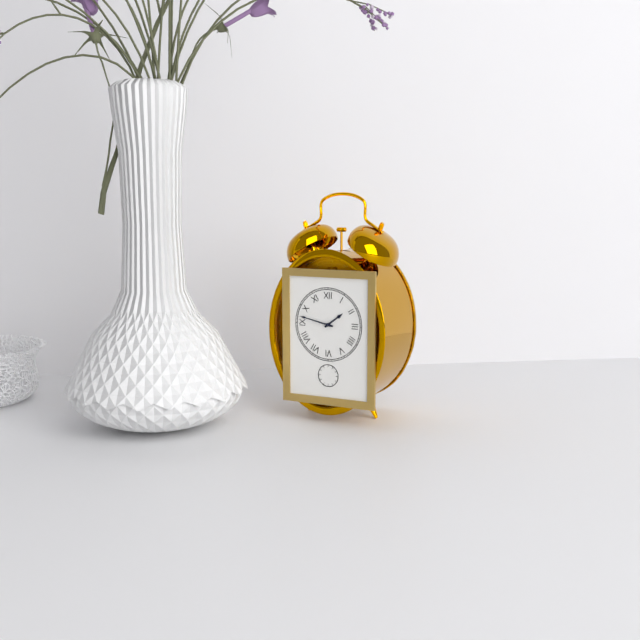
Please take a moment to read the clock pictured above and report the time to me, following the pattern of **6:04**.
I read **1:47**
